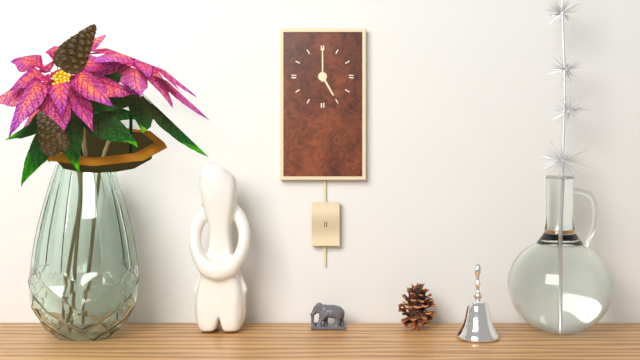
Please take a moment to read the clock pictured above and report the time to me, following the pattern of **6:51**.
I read **5:00**
